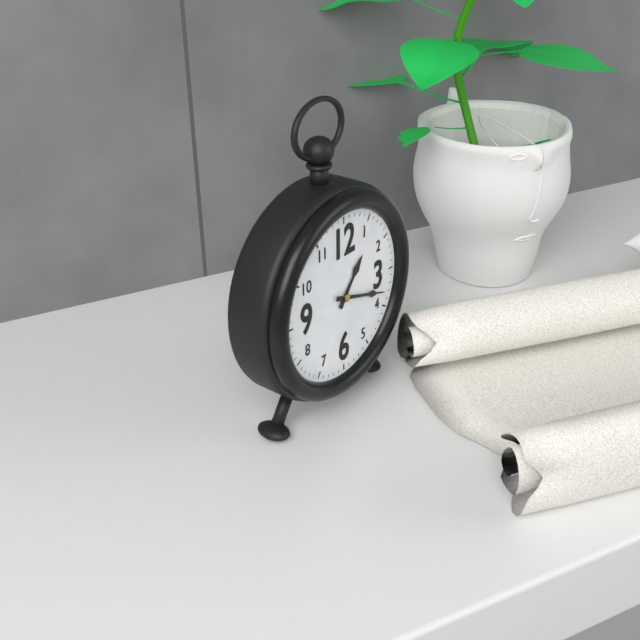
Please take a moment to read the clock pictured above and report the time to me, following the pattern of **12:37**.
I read **1:18**
